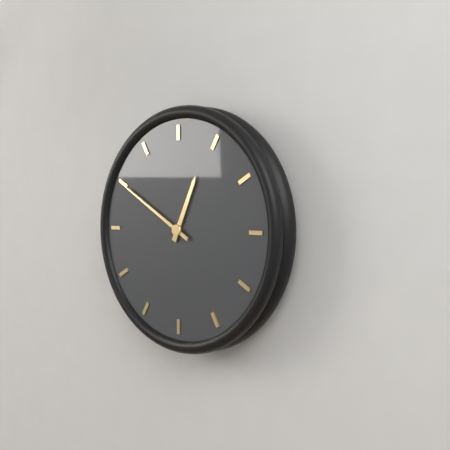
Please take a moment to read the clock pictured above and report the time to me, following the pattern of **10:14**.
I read **12:50**
